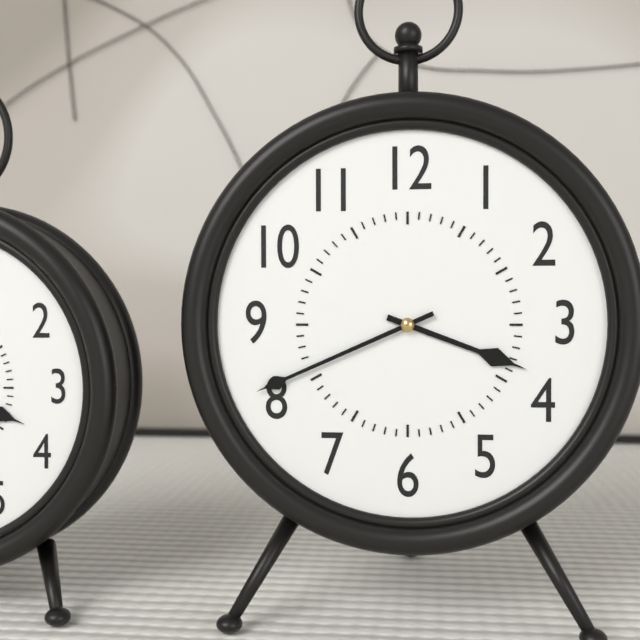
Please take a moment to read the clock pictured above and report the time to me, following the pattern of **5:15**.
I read **3:41**
